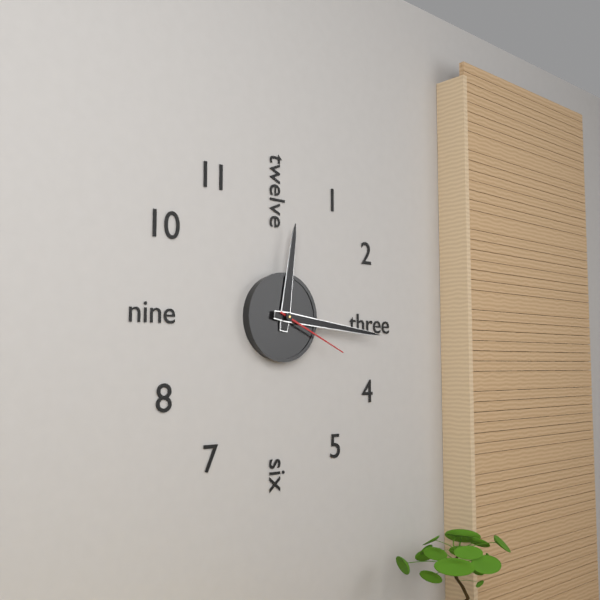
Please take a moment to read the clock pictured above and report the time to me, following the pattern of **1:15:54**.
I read **12:16:19**
